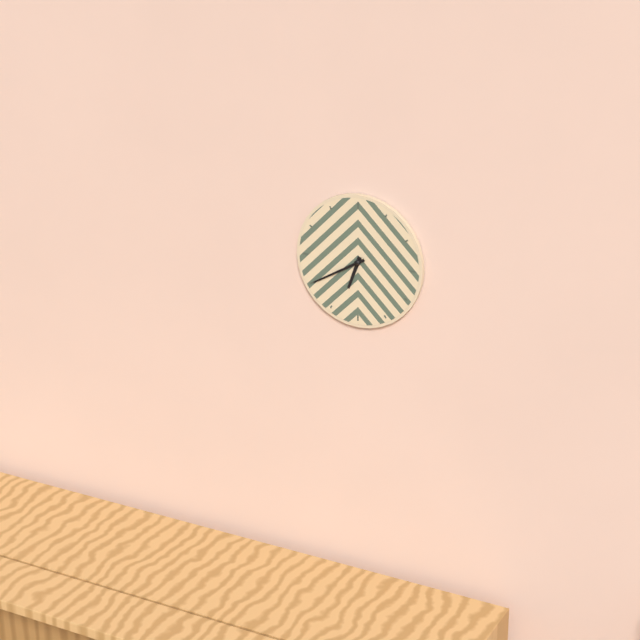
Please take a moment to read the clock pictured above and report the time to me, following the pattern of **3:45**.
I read **6:40**
